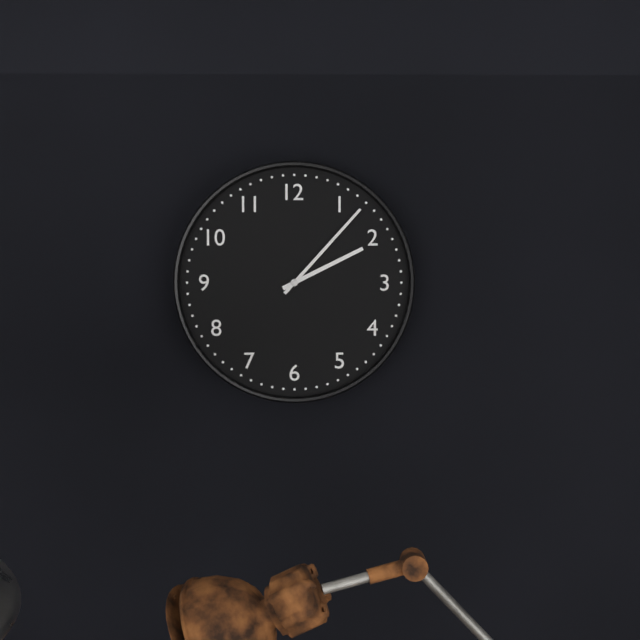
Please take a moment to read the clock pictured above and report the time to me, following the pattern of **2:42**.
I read **2:07**
